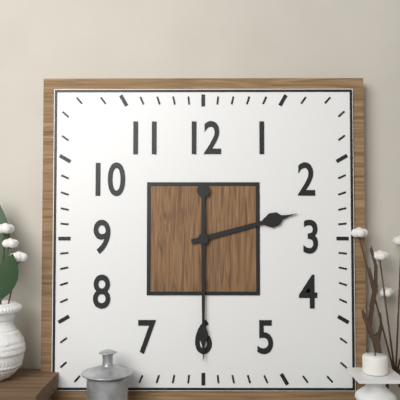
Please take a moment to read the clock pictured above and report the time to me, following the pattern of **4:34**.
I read **2:30**
